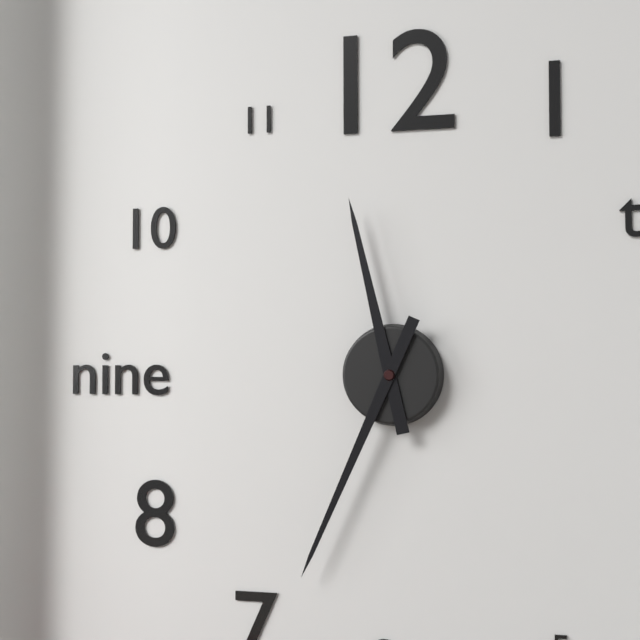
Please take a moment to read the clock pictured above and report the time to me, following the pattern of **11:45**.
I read **11:34**
